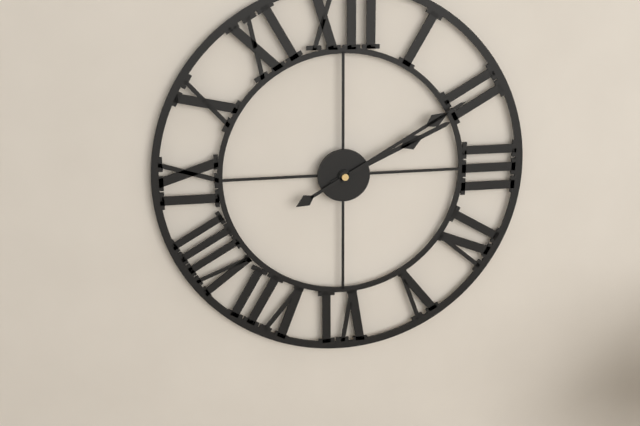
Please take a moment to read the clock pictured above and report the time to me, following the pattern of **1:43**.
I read **2:10**
